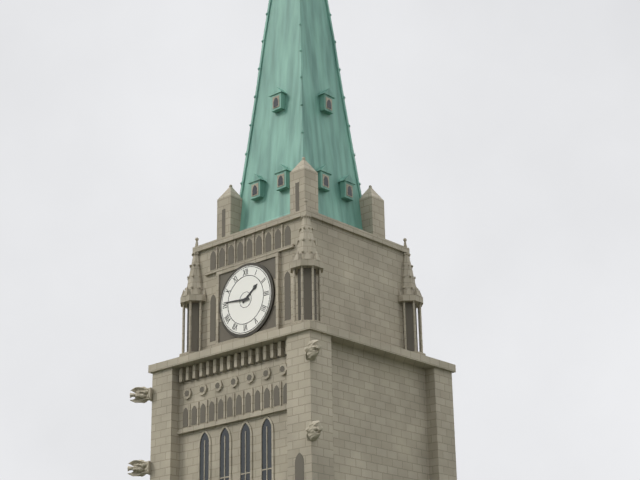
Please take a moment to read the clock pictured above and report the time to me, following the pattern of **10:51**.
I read **1:46**
